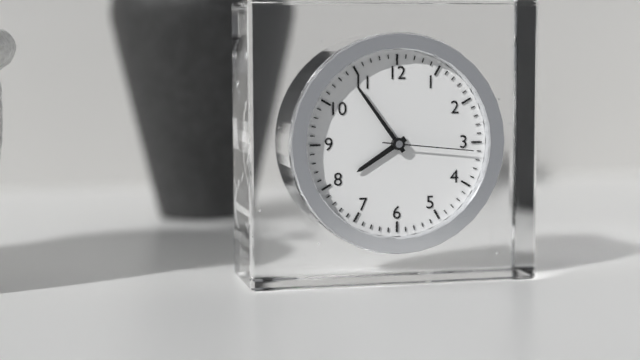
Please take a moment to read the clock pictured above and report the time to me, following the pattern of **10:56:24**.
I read **7:54:16**
